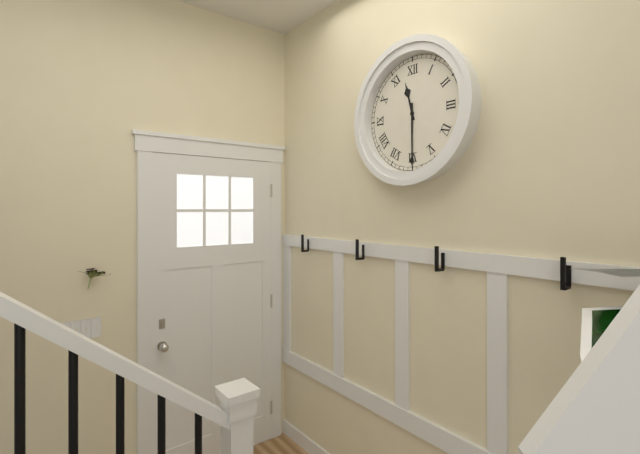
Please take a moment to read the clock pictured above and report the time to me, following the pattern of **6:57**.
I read **11:30**
